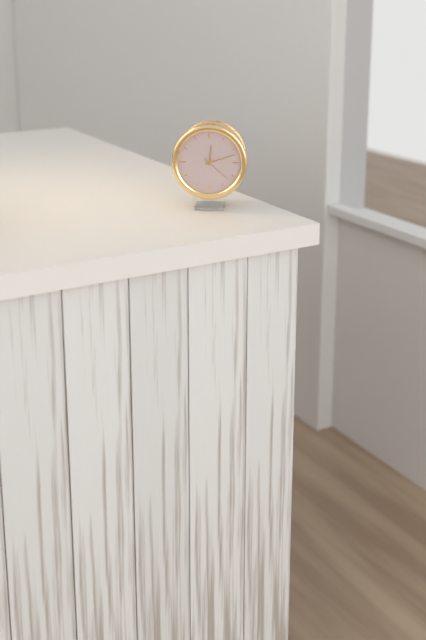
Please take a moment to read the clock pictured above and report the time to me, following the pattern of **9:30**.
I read **12:12**
